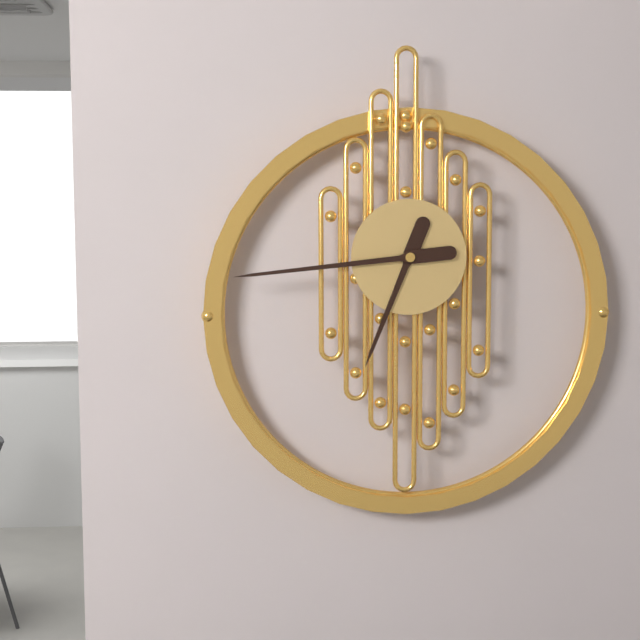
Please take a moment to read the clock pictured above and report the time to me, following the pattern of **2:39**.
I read **6:44**
